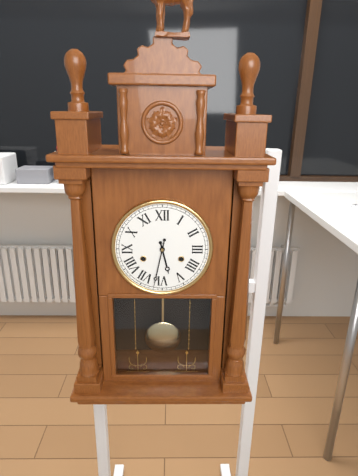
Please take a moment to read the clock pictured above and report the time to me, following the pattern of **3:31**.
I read **5:32**
